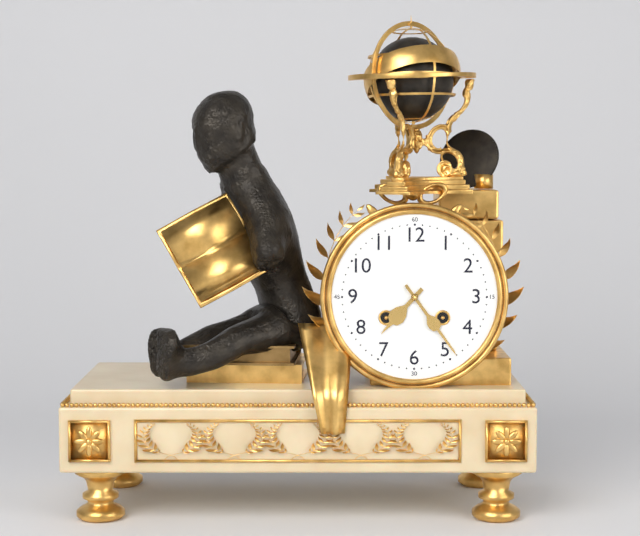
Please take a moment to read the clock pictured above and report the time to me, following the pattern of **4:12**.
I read **7:24**
